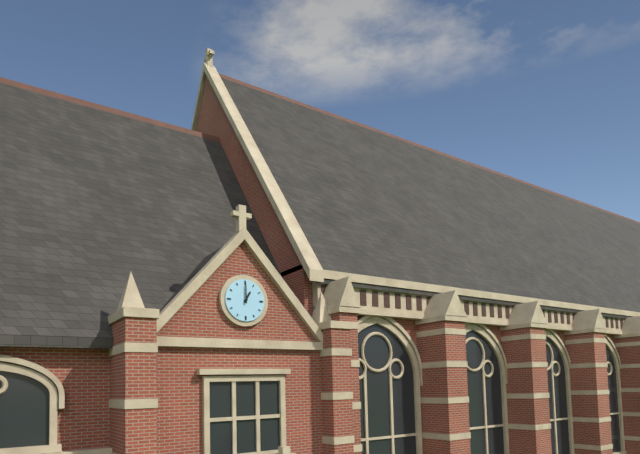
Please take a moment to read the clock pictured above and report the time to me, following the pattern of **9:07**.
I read **1:00**
